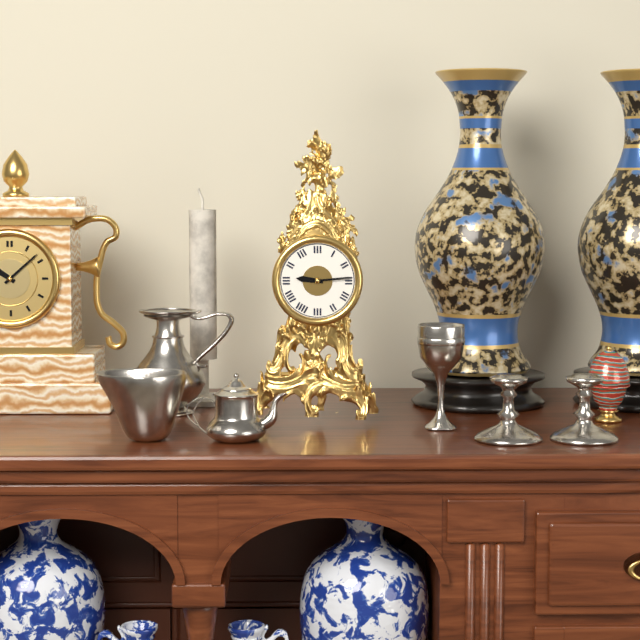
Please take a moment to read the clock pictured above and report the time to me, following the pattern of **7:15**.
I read **9:14**
